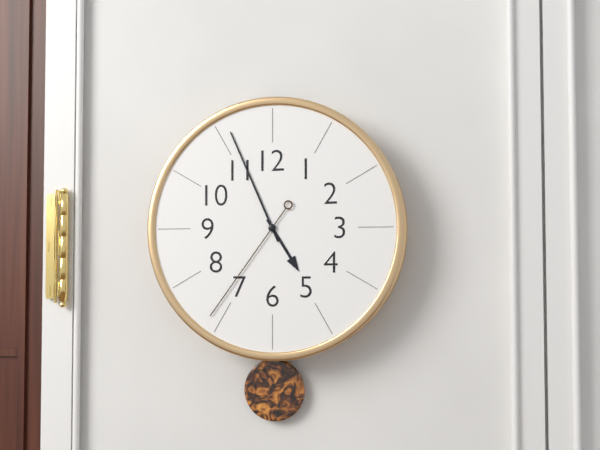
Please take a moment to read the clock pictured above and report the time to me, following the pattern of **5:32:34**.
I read **4:56:36**
